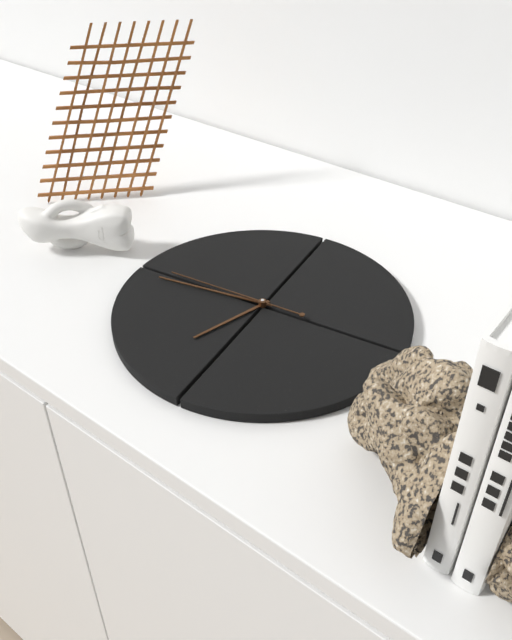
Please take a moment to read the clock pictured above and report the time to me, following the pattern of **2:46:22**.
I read **6:44:45**
